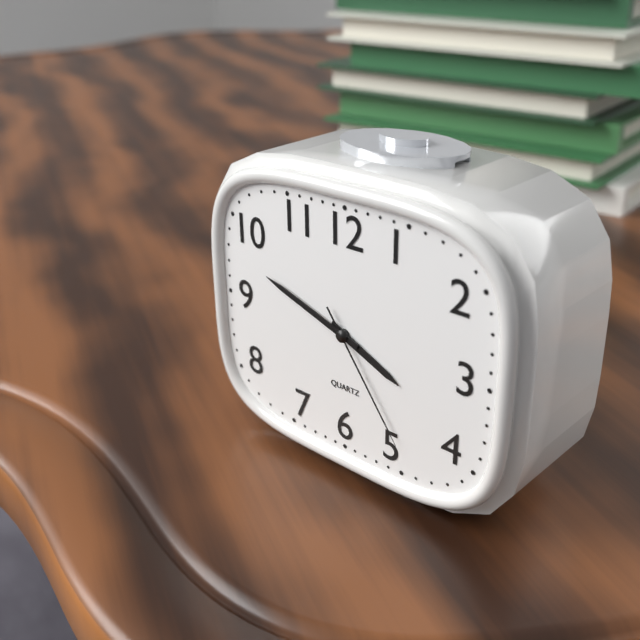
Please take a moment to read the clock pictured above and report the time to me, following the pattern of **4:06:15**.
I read **3:48:24**
